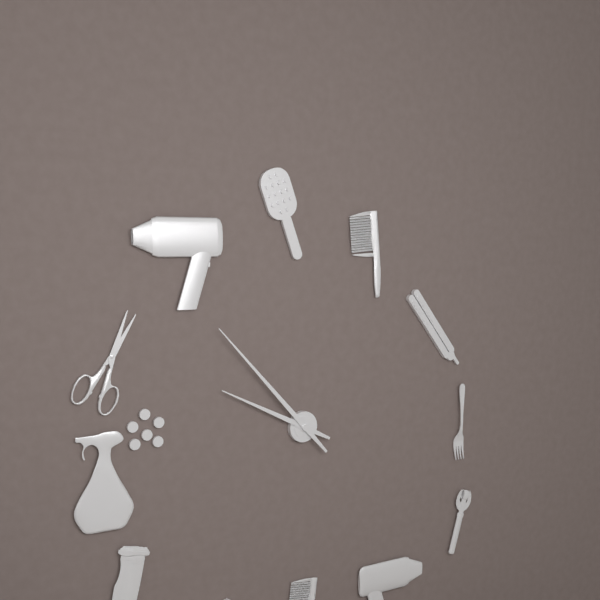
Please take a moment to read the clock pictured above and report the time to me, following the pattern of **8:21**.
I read **9:53**
